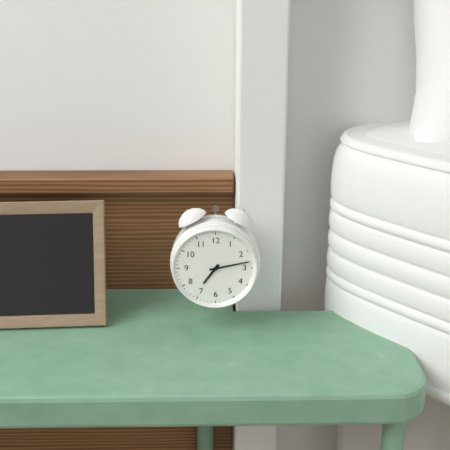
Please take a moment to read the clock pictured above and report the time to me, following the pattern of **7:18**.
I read **7:13**
